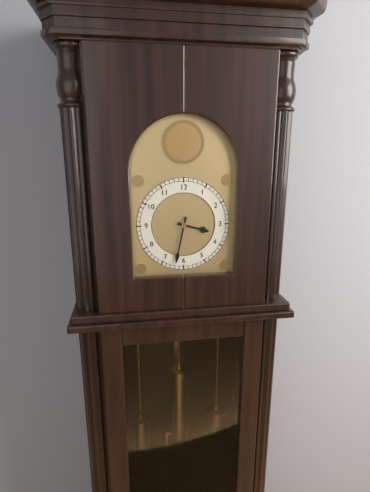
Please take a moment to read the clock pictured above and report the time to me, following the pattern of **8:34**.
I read **3:32**
